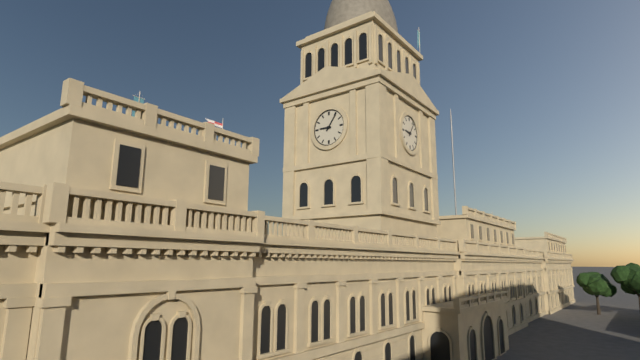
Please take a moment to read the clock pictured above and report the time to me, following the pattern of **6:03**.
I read **9:06**
